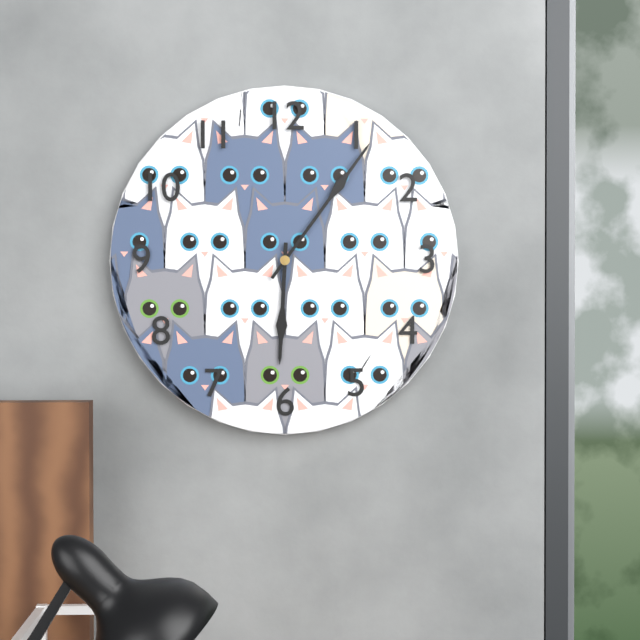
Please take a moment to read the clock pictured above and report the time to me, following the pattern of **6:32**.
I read **6:06**
